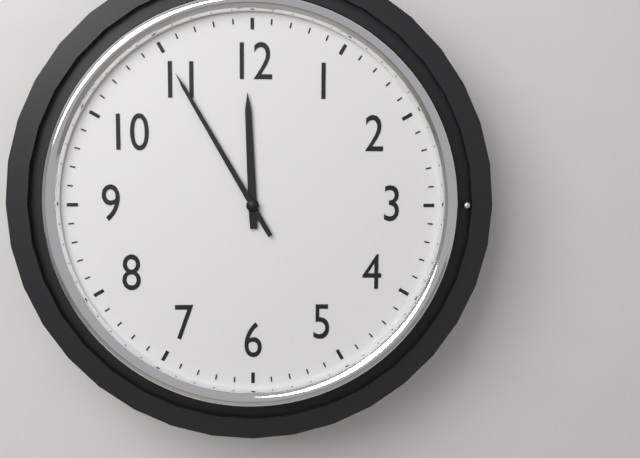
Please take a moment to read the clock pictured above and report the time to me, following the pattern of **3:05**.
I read **11:55**
